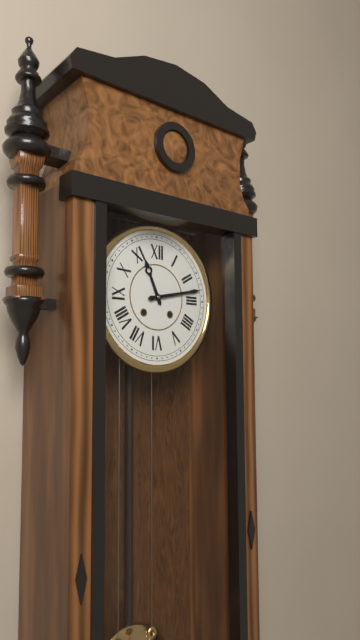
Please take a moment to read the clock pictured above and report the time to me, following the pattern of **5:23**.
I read **11:13**
